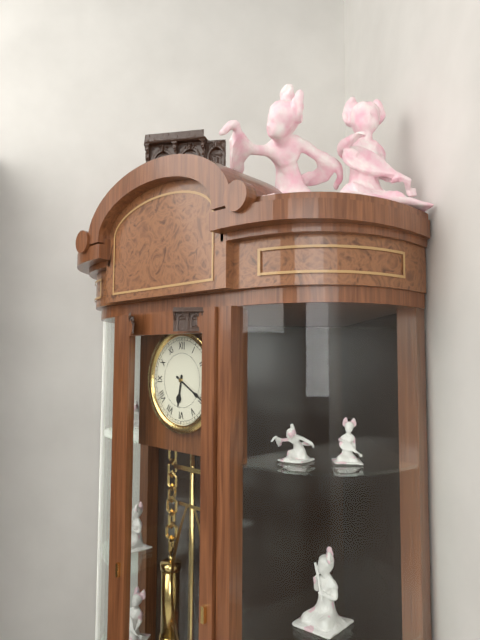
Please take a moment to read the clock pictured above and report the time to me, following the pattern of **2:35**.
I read **6:20**
